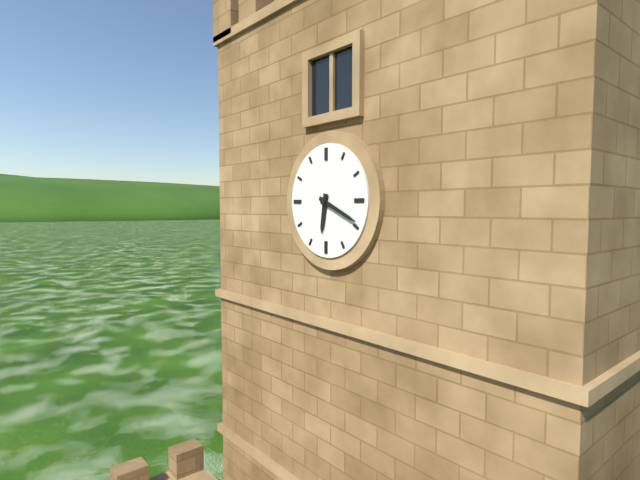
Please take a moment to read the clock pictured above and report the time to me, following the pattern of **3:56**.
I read **6:19**
